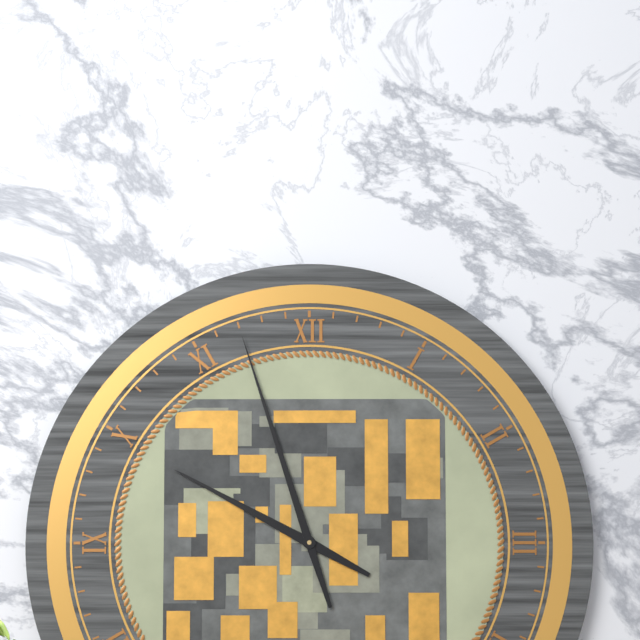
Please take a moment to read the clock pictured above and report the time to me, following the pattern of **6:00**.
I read **9:57**
